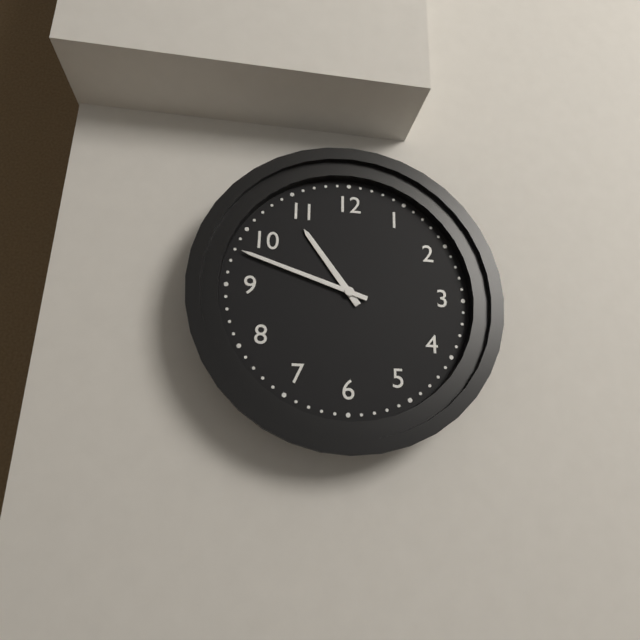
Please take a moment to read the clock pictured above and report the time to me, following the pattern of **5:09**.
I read **10:48**
